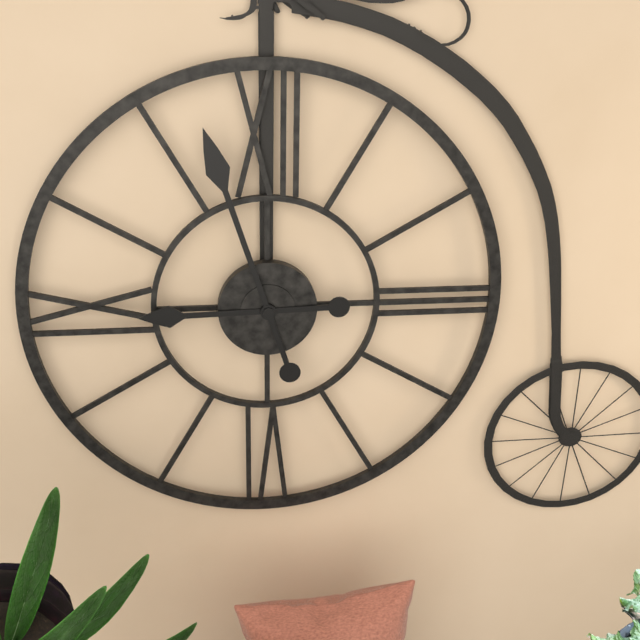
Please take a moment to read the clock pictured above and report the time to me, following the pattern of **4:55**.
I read **8:57**
